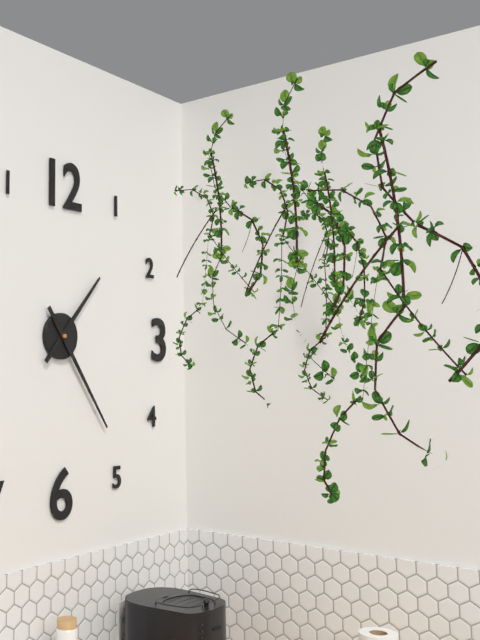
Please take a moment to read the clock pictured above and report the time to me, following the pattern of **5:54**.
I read **1:24**
